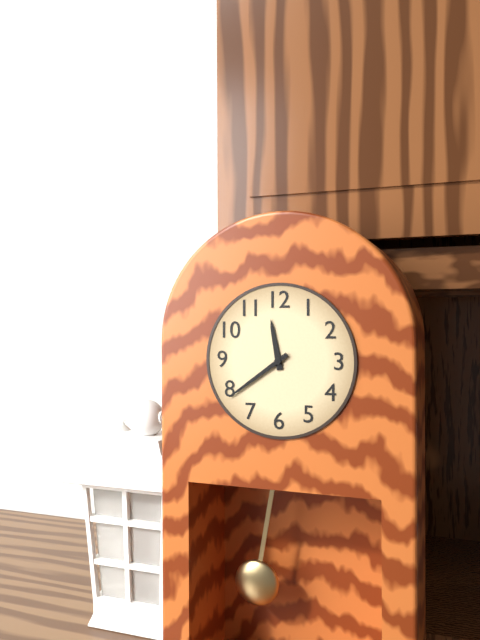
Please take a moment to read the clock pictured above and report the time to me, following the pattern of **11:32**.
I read **11:39**
